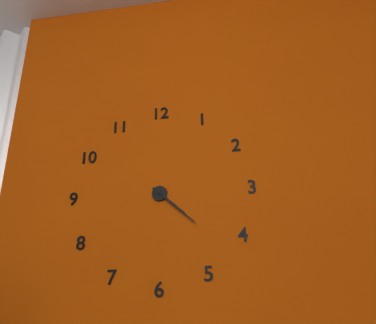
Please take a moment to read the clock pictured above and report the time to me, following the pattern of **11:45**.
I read **4:22**
